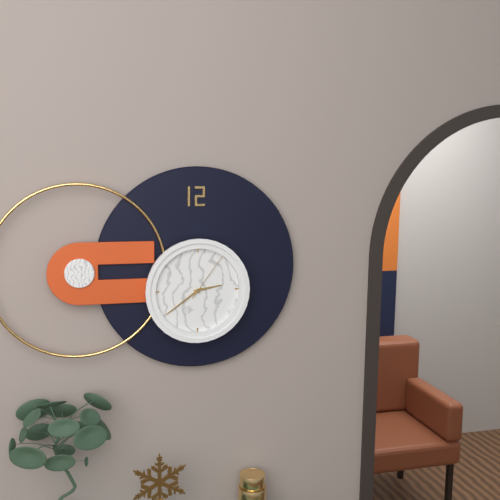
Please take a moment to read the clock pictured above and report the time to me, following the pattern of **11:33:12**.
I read **2:39:06**
